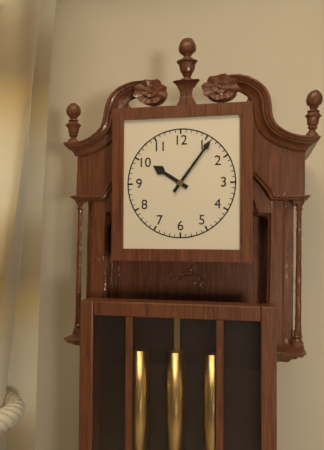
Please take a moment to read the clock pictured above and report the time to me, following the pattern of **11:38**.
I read **10:06**
